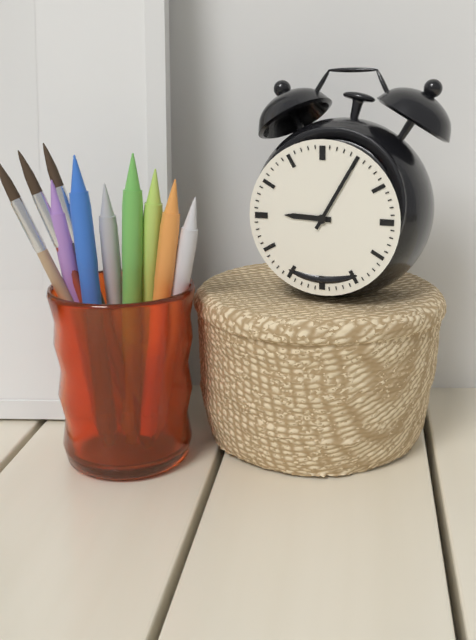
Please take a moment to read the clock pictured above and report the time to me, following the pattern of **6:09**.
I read **9:05**
